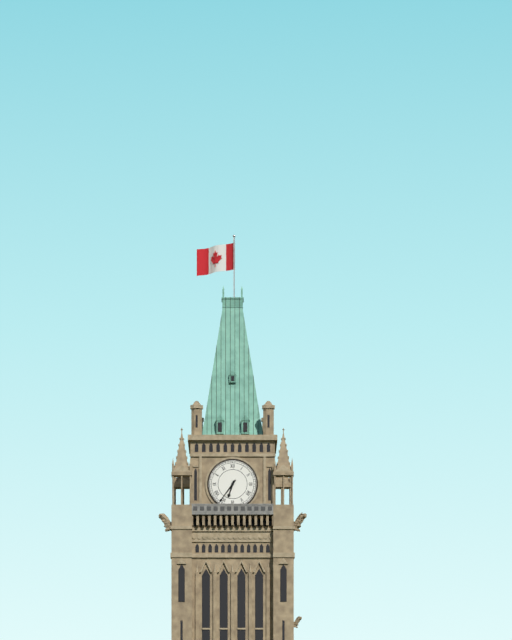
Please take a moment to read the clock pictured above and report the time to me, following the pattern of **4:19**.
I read **6:36**
